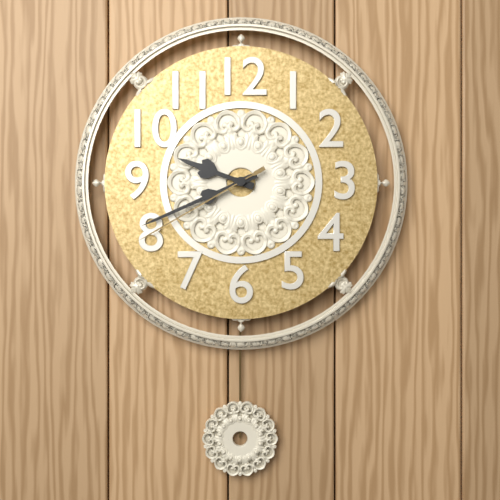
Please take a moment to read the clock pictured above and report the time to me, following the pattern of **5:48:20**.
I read **9:41:40**
